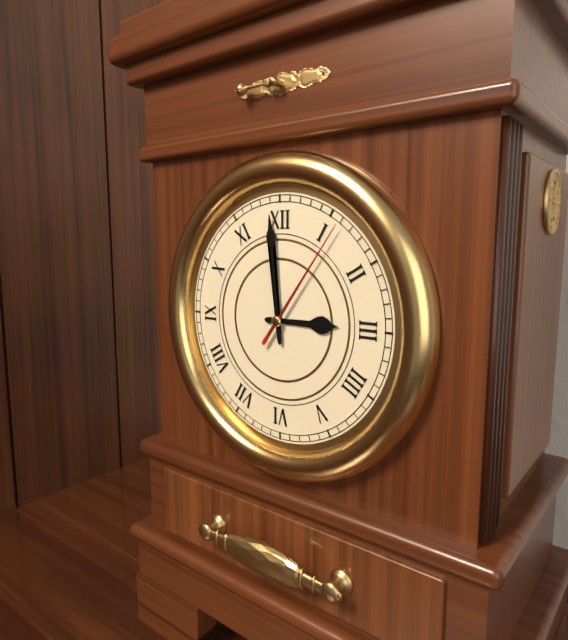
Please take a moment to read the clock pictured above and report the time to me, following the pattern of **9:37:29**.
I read **2:59:06**
